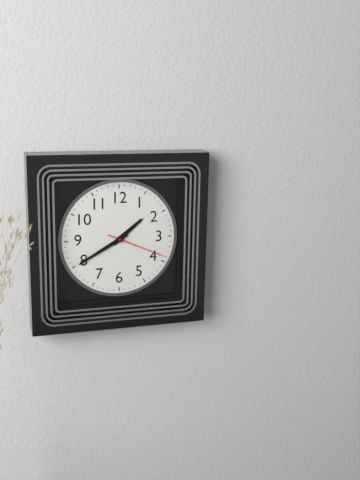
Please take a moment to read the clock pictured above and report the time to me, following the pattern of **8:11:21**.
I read **1:40:19**
